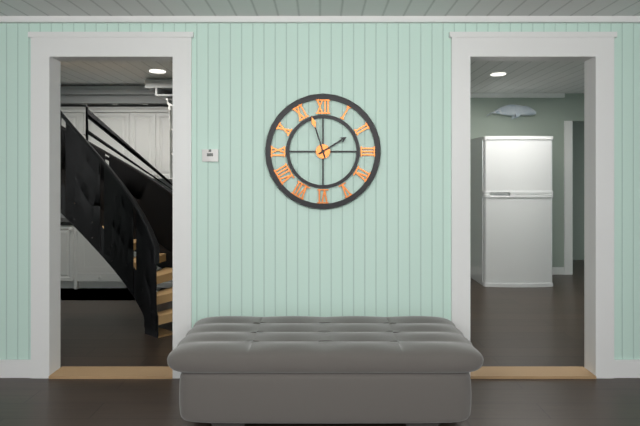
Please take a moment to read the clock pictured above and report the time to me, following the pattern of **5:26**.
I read **1:57**
